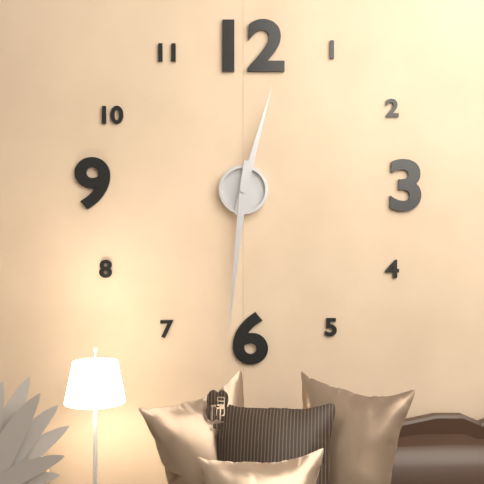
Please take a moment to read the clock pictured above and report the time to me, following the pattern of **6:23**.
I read **12:31**
